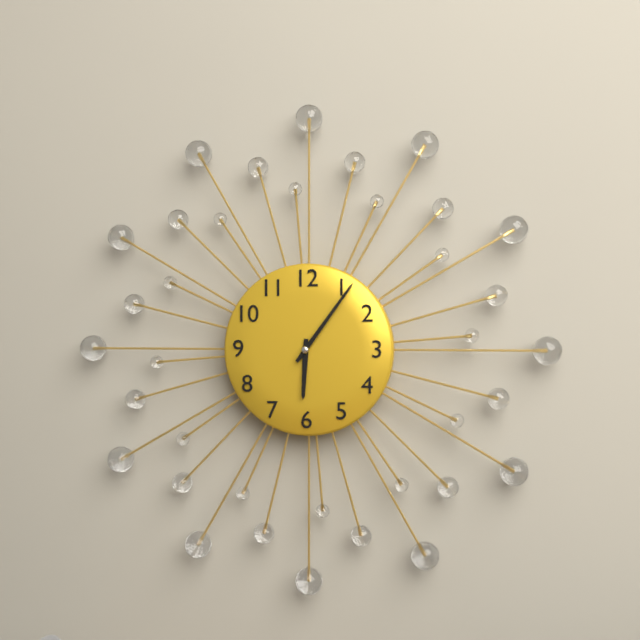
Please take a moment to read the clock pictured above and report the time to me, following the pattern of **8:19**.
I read **6:06**
